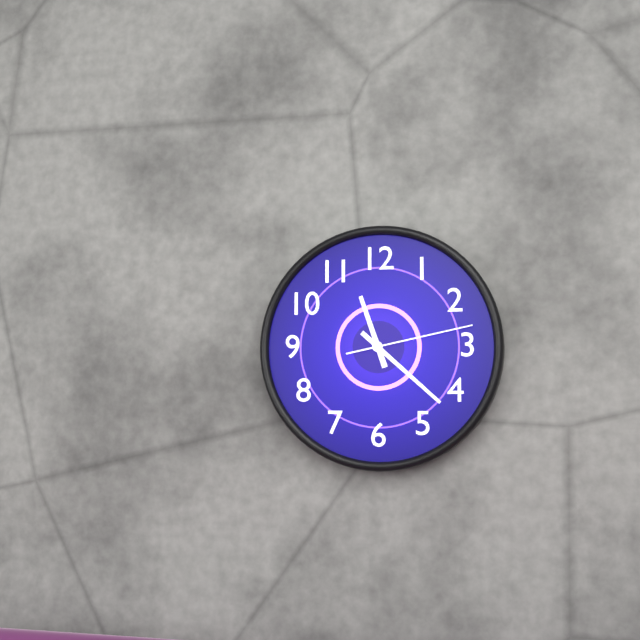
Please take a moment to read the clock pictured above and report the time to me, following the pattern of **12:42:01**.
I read **11:22:13**
